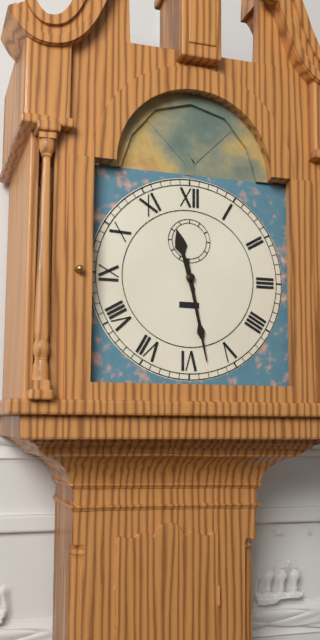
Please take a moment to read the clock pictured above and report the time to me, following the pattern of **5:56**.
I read **11:28**
